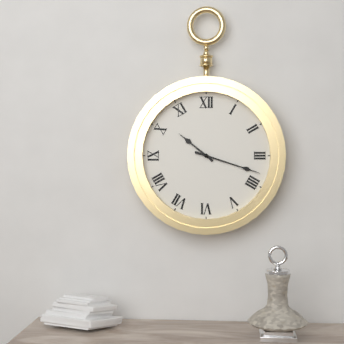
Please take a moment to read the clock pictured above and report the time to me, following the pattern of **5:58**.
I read **10:18**
